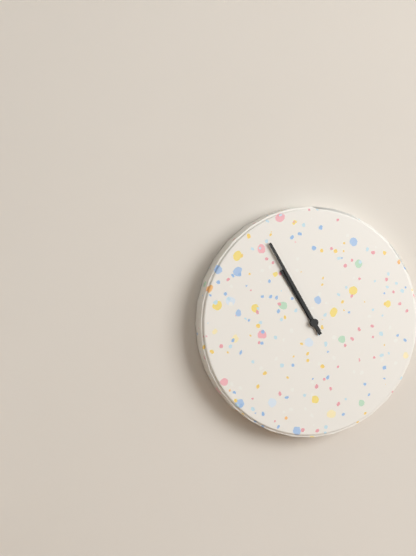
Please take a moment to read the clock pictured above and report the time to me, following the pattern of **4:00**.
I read **10:55**
